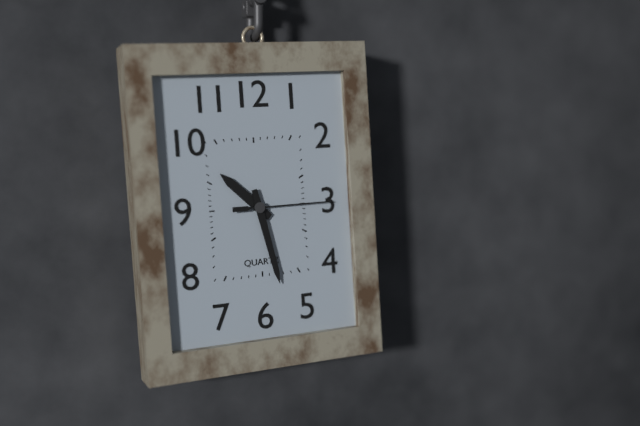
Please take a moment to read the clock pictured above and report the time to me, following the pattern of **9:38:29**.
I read **10:28:15**
